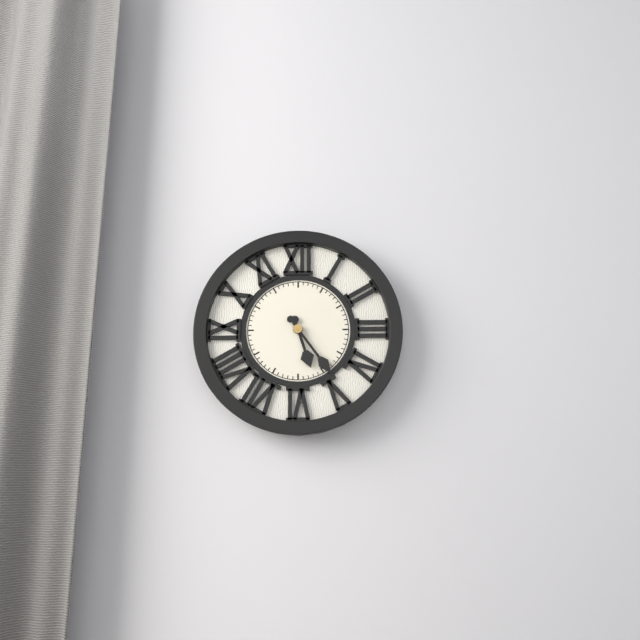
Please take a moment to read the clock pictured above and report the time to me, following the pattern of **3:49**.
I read **5:24**
